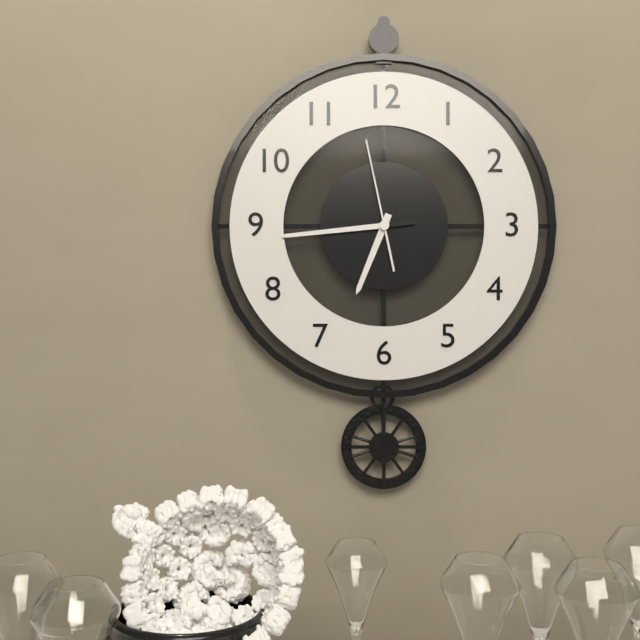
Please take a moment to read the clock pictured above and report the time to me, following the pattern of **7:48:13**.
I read **6:44:58**
